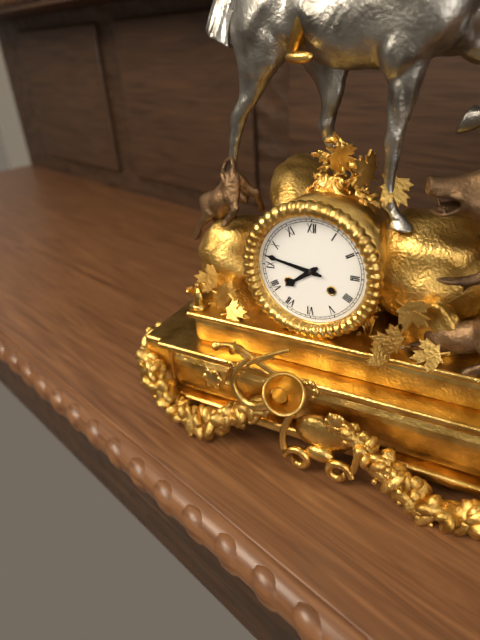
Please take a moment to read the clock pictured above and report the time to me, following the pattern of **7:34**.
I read **7:47**
